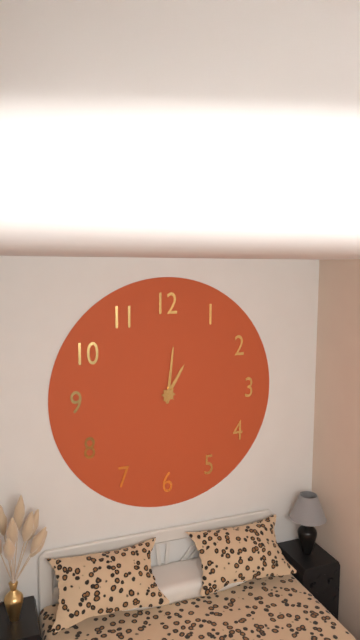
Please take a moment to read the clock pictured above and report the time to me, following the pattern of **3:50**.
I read **1:01**
